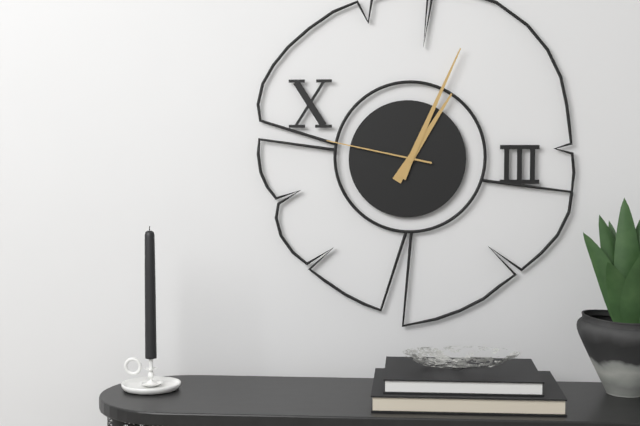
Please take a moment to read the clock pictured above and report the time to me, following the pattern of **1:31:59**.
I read **1:04:47**
